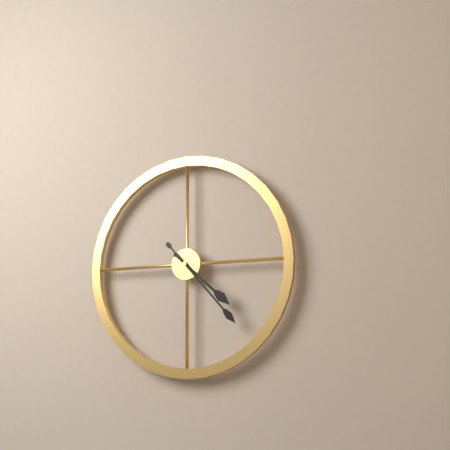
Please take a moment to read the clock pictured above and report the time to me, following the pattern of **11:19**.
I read **4:23**
